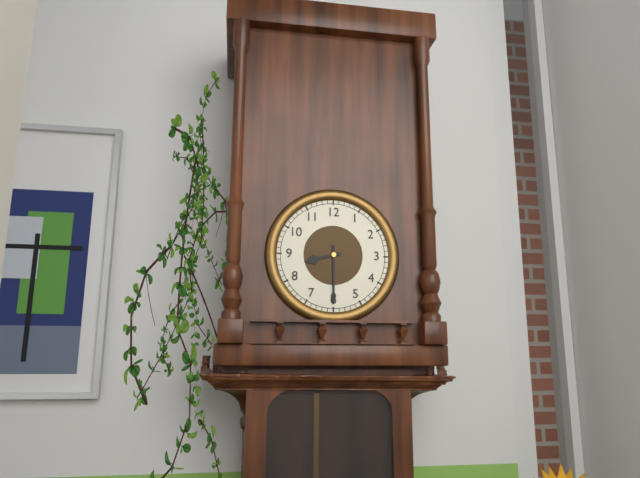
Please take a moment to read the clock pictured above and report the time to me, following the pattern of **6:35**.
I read **8:30**
